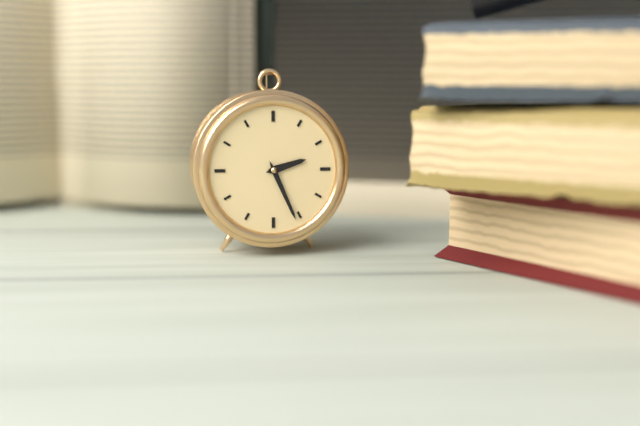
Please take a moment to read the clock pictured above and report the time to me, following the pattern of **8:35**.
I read **2:26**
